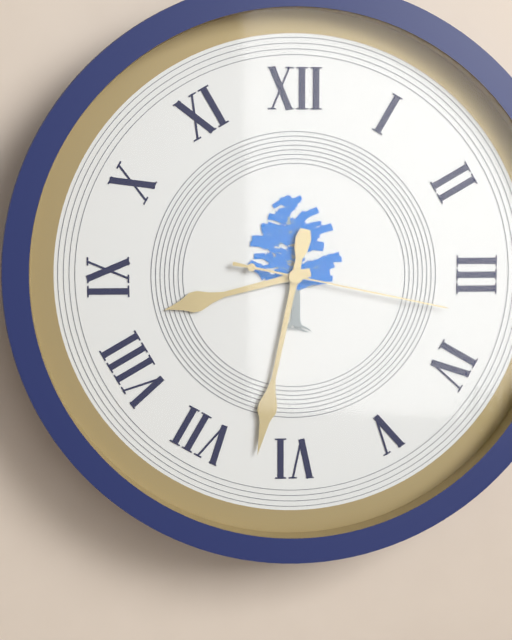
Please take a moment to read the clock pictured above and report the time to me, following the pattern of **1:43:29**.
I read **8:32:17**
